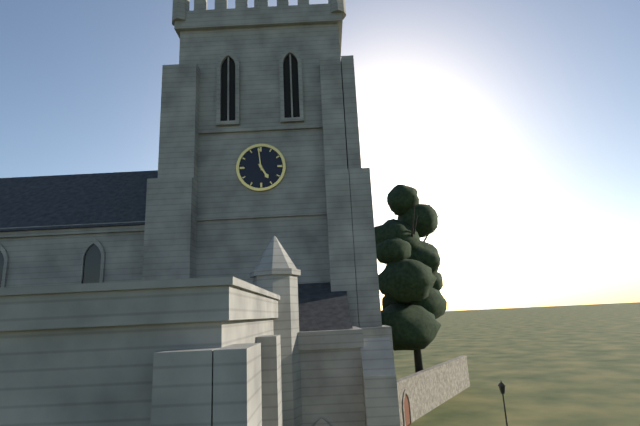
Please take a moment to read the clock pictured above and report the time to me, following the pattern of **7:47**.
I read **4:59**
